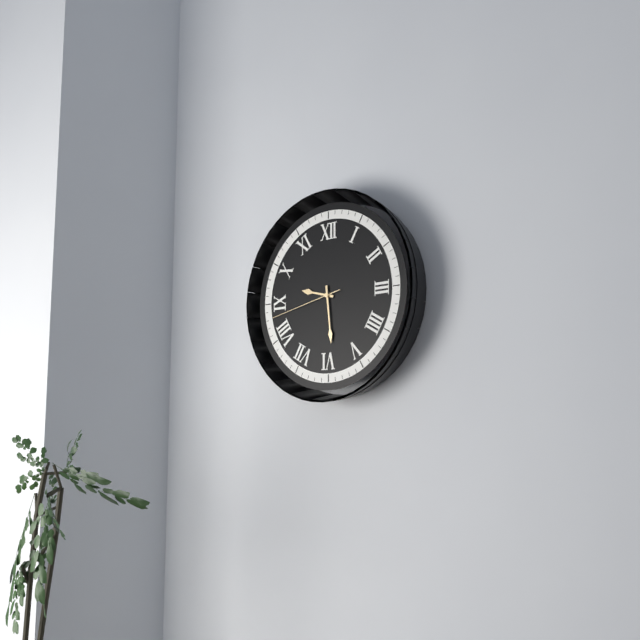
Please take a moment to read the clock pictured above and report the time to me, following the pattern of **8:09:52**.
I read **9:29:43**
